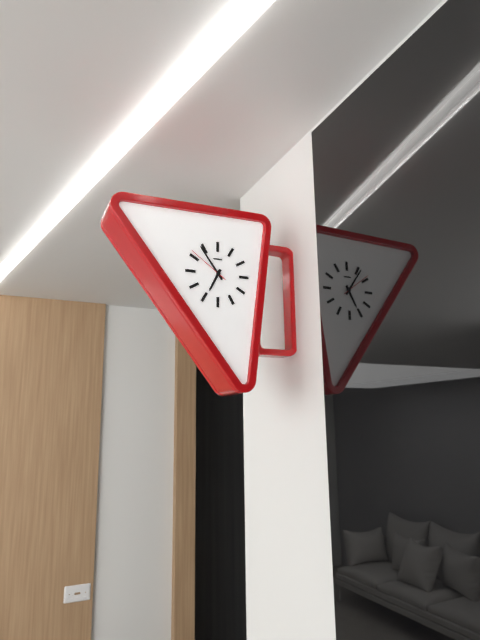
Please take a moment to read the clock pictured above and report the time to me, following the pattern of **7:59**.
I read **6:54**
